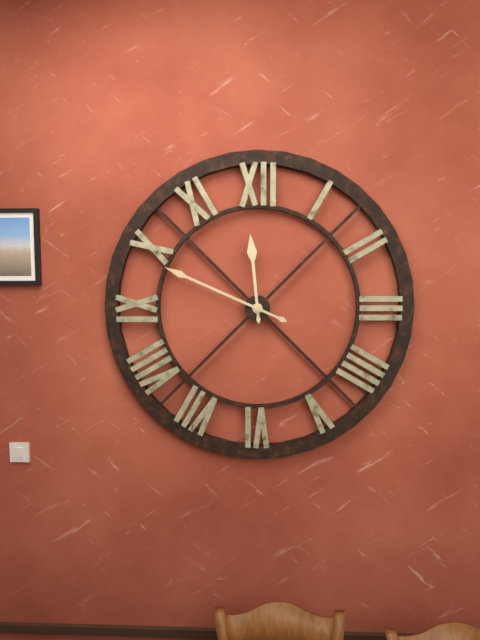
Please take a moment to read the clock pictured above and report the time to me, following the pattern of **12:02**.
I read **11:49**
